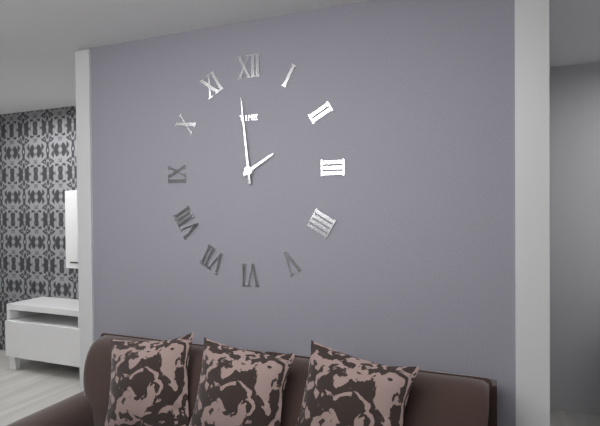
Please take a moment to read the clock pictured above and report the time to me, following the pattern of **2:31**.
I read **1:59**
